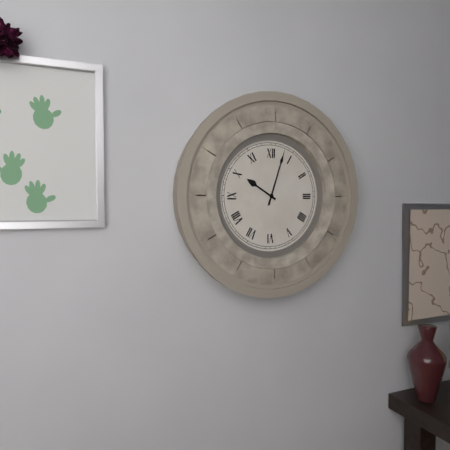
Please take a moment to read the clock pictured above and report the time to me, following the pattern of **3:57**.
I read **10:03**
